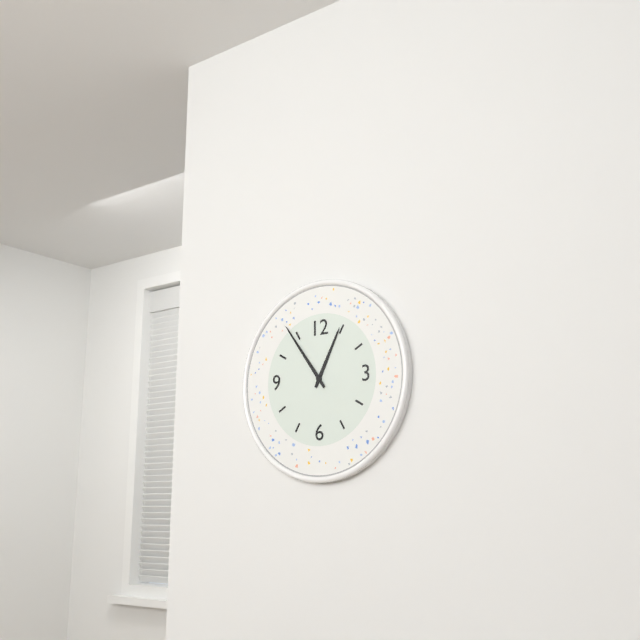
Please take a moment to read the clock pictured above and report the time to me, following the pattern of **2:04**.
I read **12:54**
